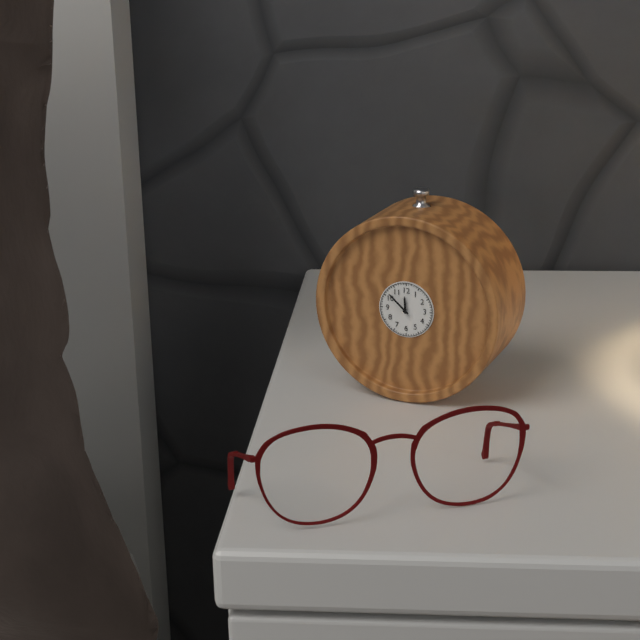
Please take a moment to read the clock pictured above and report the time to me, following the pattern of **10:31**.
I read **11:52**
